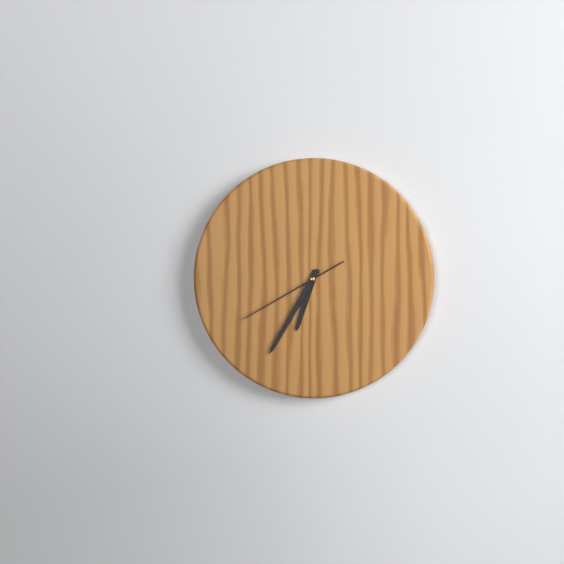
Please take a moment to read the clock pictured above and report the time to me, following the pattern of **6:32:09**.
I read **6:35:40**
